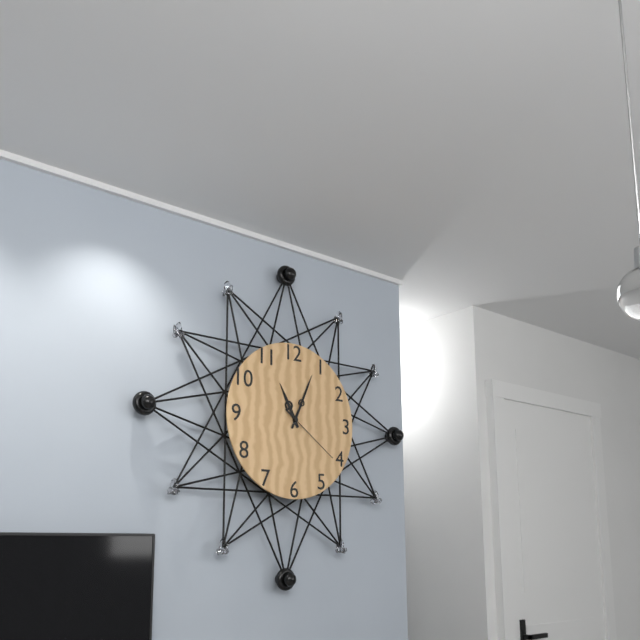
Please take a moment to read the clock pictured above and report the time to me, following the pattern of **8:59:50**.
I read **11:04:21**
